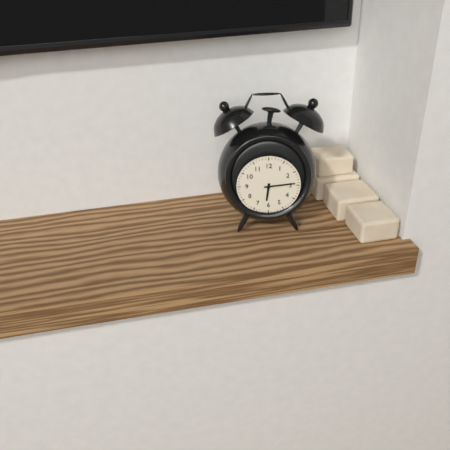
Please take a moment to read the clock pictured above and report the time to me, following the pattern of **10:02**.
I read **6:14**
